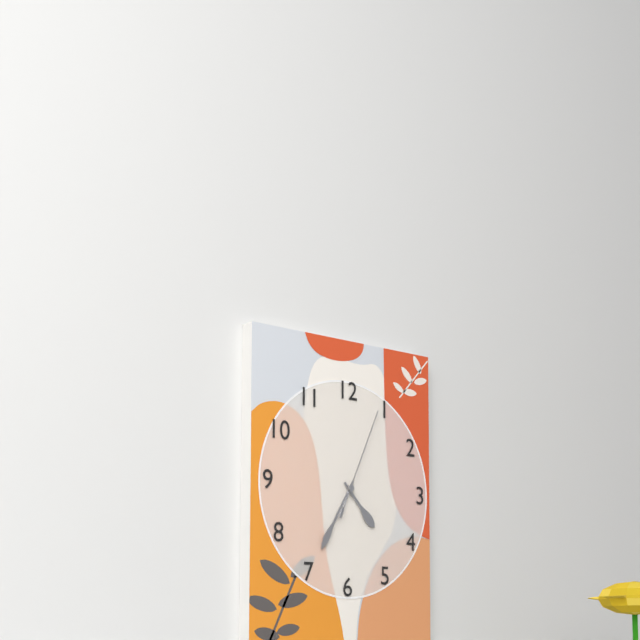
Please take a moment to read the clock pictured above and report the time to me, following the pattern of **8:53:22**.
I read **4:35:04**
